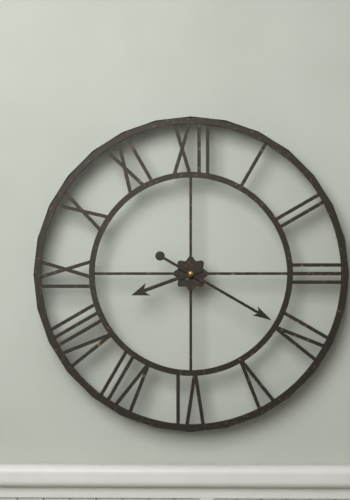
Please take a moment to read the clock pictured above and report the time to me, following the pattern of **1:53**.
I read **8:20**
